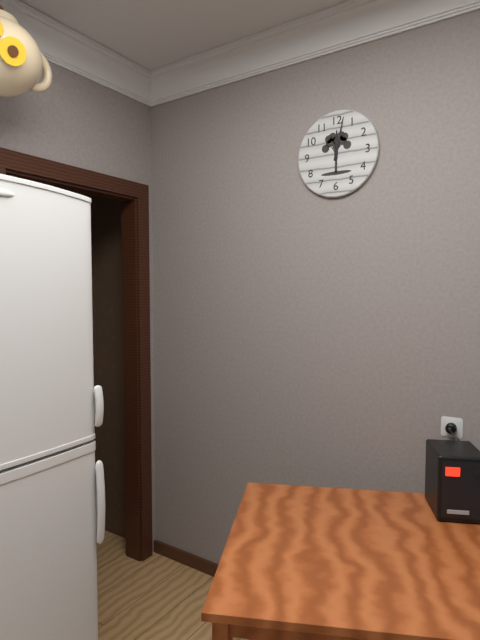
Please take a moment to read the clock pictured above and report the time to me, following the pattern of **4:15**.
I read **12:02**
